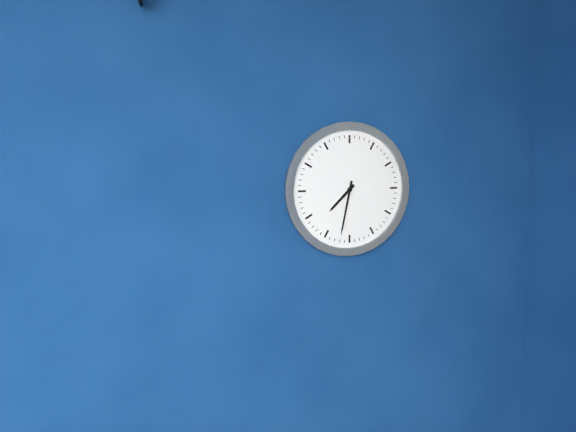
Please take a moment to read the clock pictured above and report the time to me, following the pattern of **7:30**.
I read **7:32**
